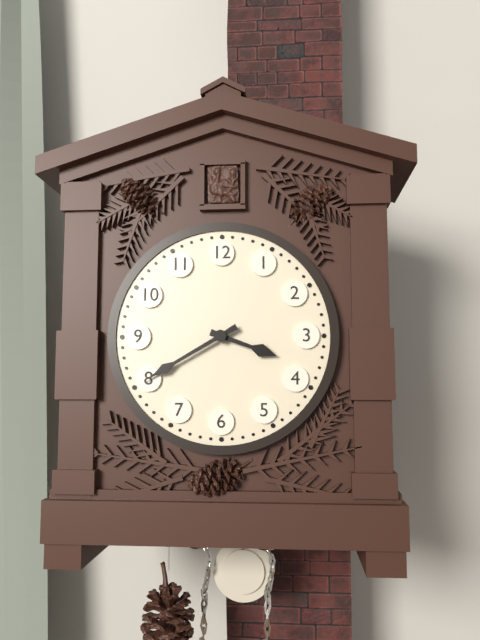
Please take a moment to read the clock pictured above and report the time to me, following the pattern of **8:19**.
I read **3:40**
